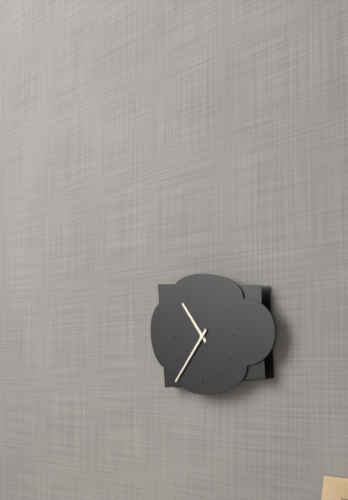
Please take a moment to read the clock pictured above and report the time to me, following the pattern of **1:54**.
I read **10:37**
